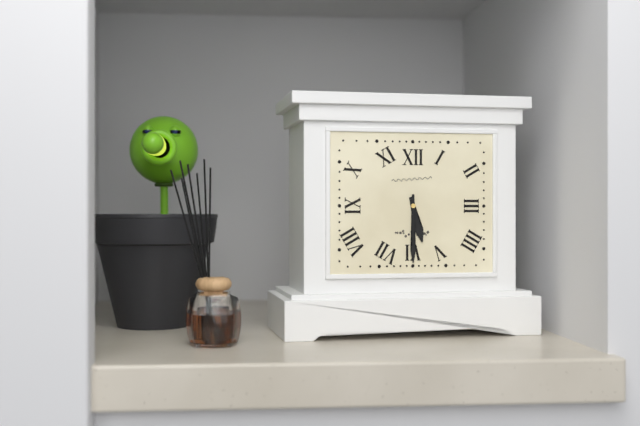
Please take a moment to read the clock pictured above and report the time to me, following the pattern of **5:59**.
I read **5:30**
